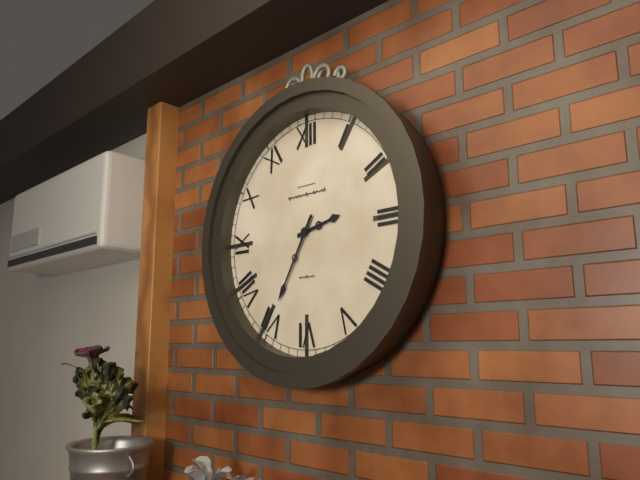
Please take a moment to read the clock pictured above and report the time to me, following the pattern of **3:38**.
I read **2:35**
